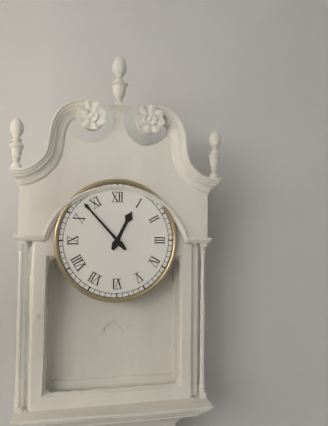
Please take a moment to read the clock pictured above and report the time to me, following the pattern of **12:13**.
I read **12:53**
